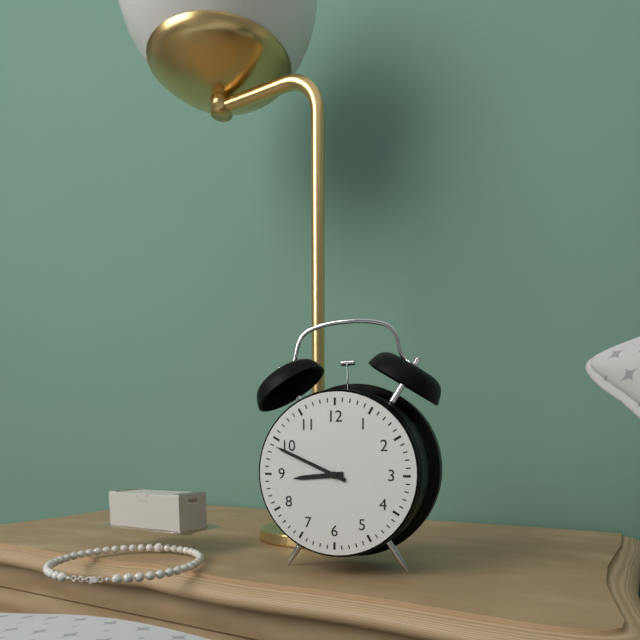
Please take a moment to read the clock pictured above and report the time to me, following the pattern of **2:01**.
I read **8:49**
